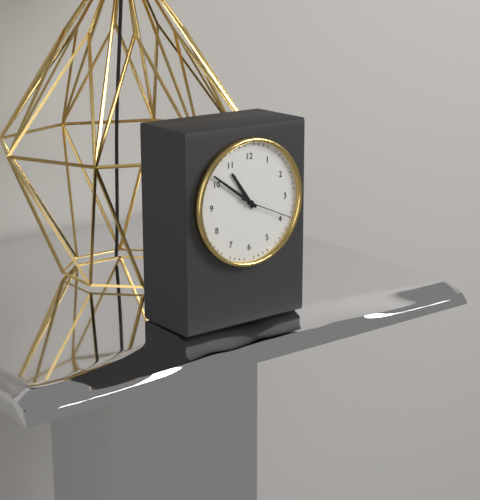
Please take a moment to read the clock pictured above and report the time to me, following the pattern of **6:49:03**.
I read **10:51:19**
